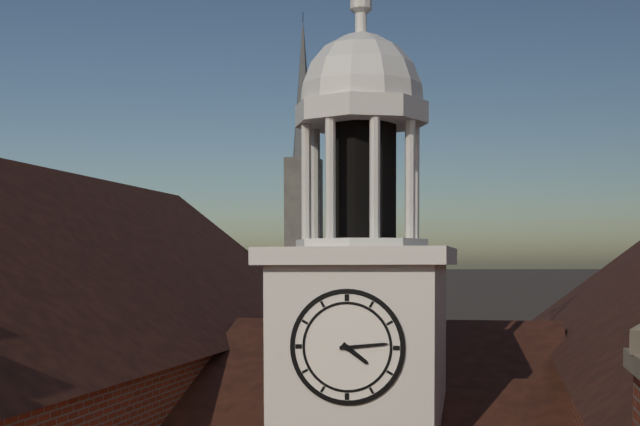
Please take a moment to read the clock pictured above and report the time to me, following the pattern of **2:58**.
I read **4:14**
